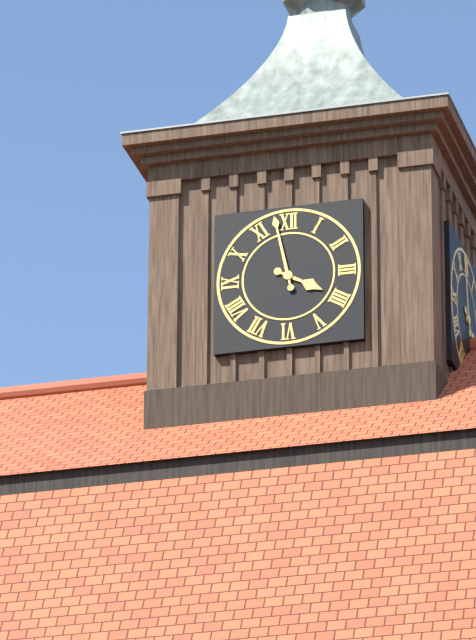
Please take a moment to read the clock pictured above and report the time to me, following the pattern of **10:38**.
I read **3:58**
